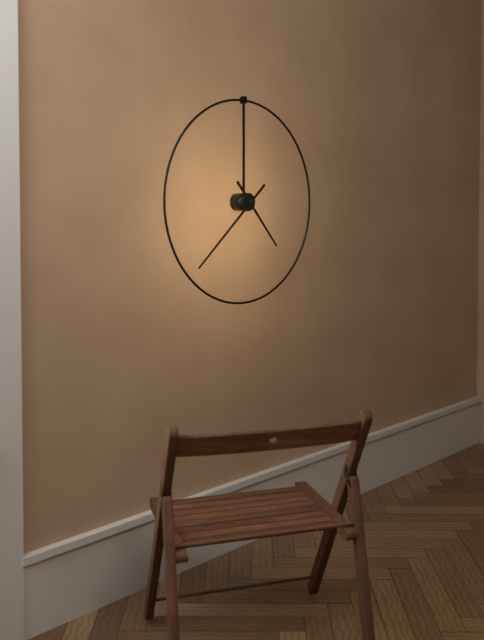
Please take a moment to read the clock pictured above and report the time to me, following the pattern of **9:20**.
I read **4:38**
